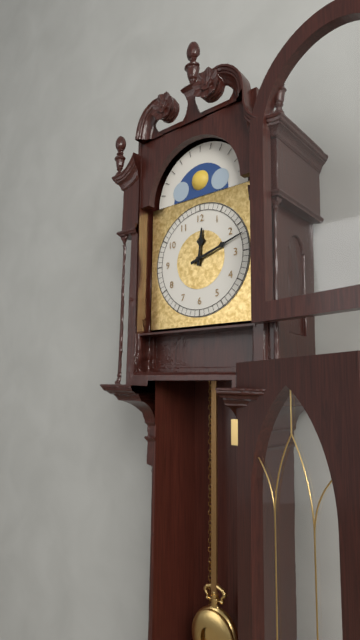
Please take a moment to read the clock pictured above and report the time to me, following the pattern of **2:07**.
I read **12:12**
